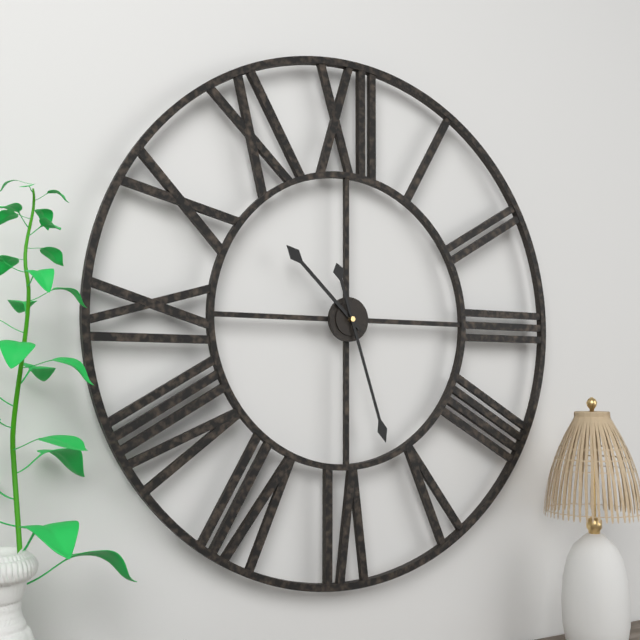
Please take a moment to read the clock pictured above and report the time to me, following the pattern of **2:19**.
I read **10:27**
